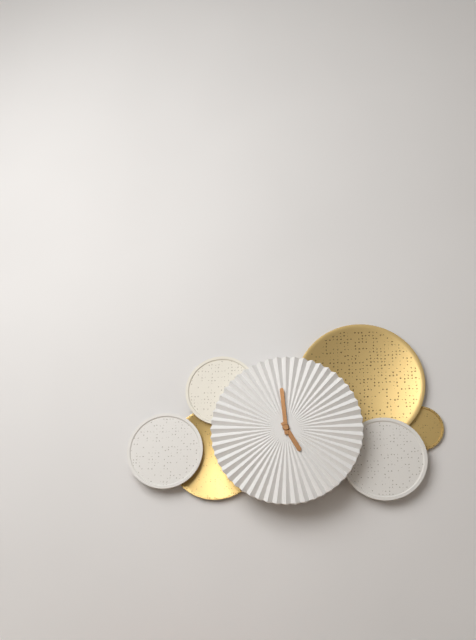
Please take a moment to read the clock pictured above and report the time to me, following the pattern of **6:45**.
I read **4:59**
